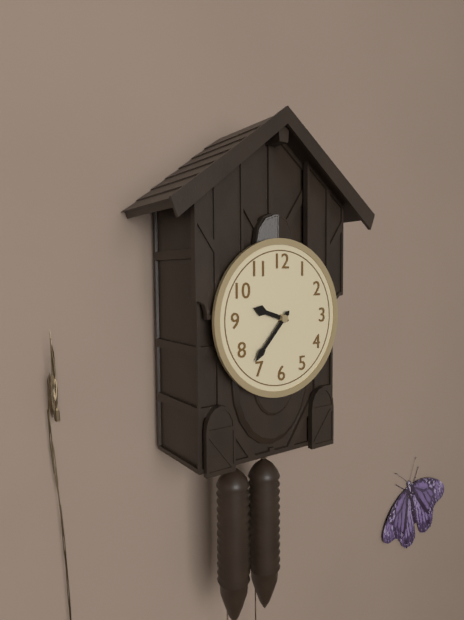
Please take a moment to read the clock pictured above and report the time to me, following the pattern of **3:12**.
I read **9:37**
